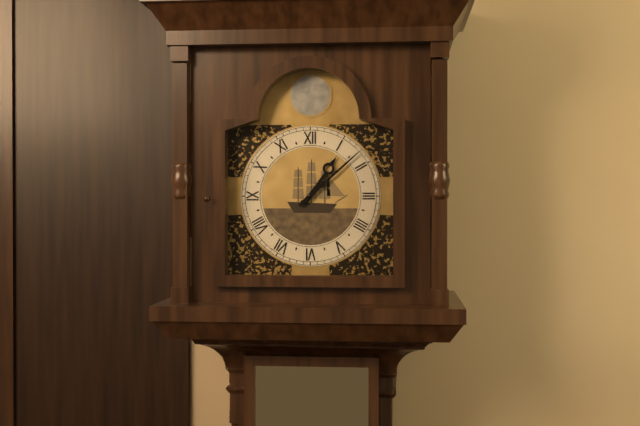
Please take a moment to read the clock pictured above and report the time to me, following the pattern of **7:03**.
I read **1:08**
